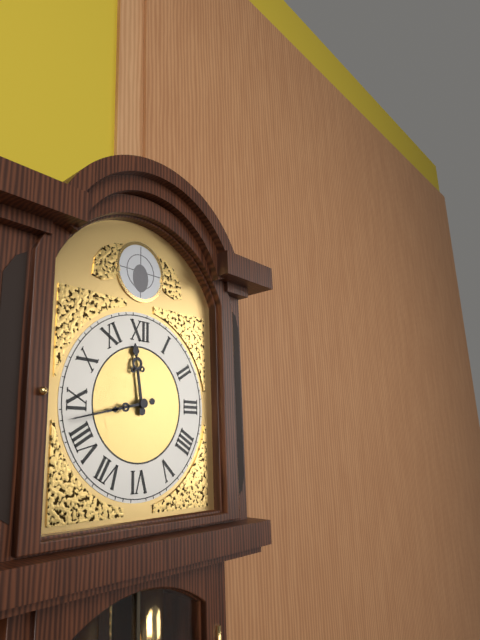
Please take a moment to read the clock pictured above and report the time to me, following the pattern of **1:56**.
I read **11:43**
